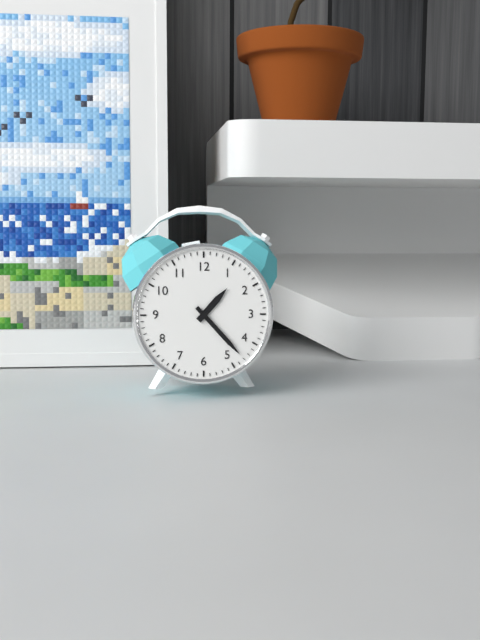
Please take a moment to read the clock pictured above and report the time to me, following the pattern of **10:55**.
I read **1:23**
